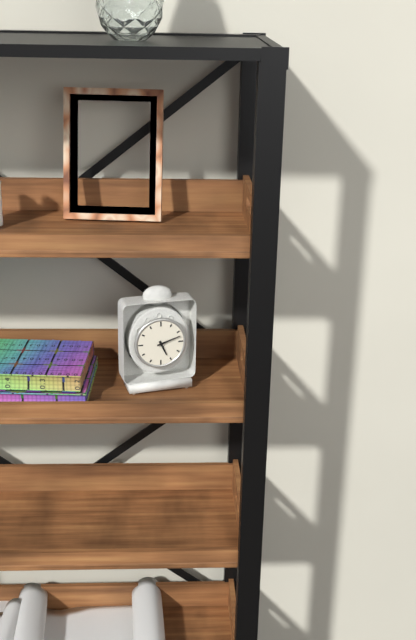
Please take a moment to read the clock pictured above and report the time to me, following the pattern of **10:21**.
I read **5:12**
